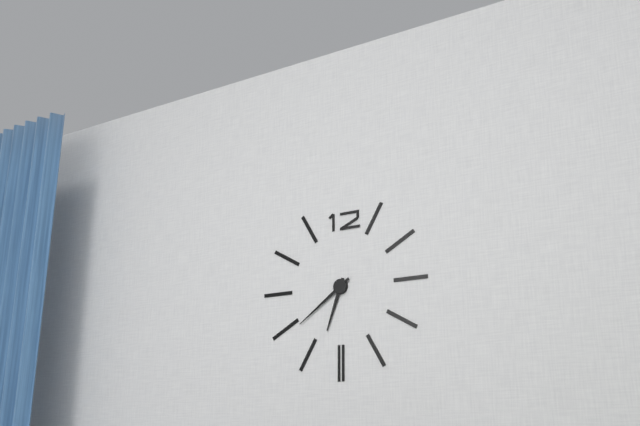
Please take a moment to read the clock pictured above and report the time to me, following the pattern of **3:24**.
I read **6:39**
